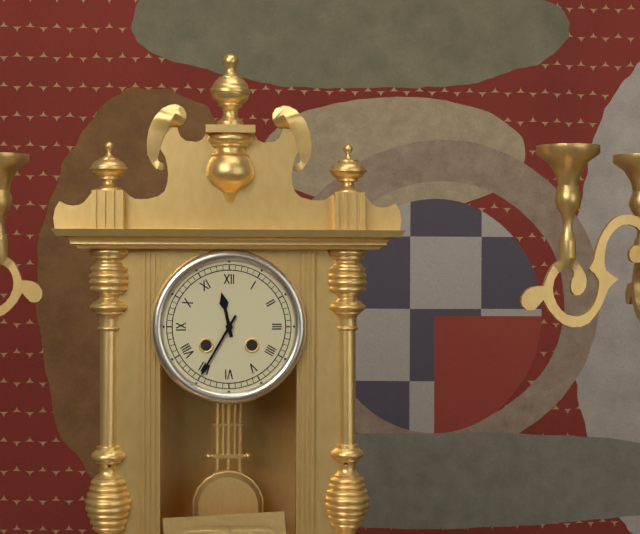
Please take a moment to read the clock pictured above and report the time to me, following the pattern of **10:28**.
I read **11:35**
